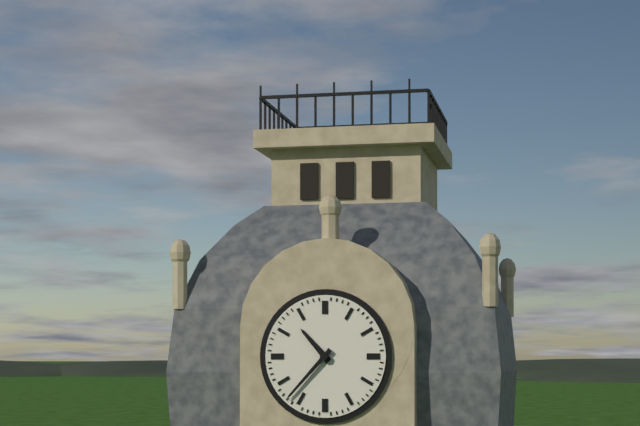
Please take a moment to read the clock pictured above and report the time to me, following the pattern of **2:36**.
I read **10:37**
